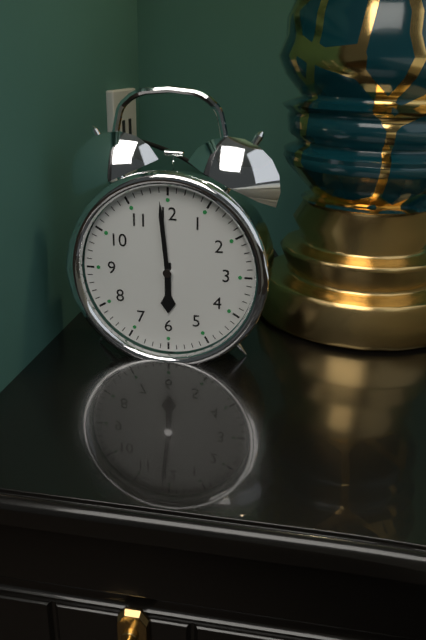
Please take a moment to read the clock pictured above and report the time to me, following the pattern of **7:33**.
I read **5:59**
